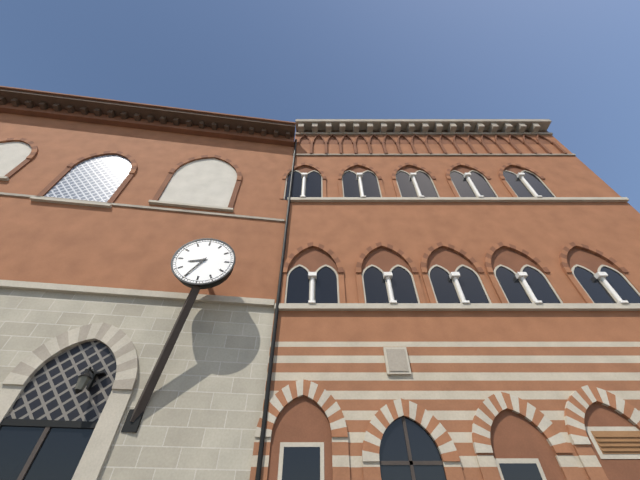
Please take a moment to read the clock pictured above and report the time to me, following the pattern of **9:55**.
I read **8:35**
